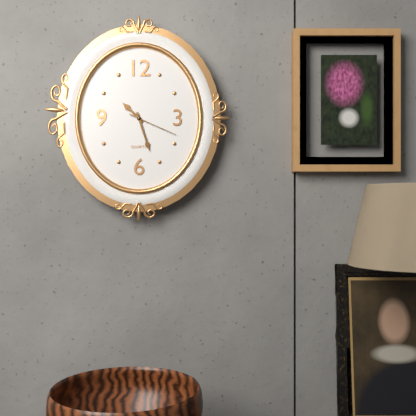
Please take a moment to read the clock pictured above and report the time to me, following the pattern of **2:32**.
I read **10:27**
